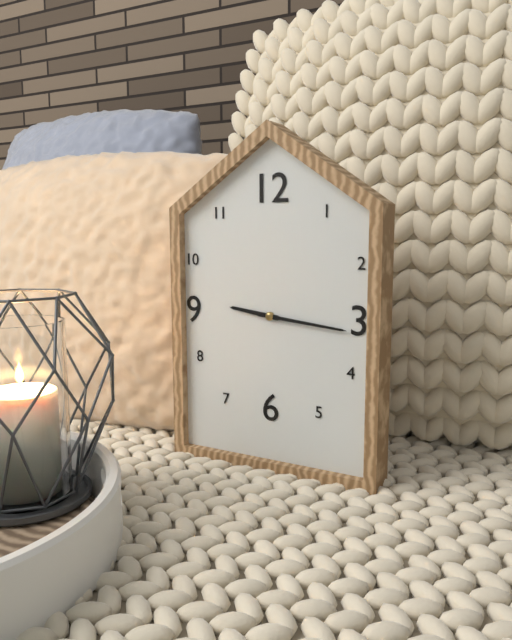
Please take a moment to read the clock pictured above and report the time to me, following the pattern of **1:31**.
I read **9:16**
